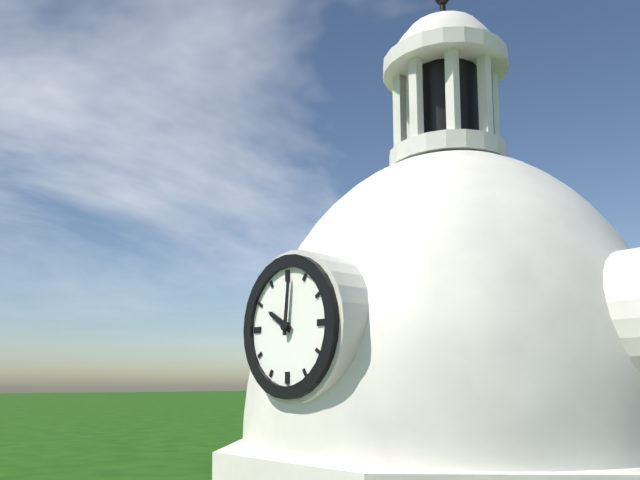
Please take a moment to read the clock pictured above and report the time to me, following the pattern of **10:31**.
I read **10:01**
